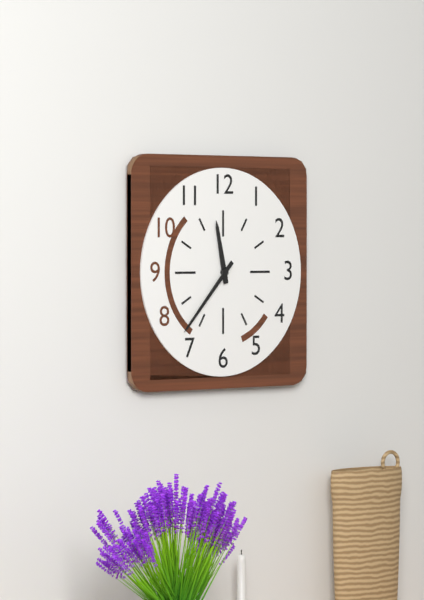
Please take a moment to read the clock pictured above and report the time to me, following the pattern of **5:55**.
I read **11:37**
